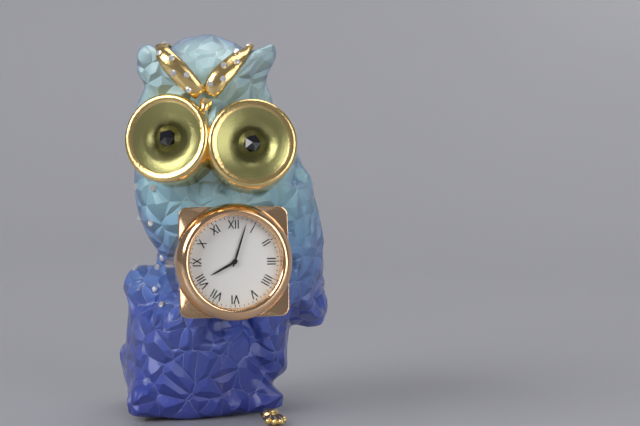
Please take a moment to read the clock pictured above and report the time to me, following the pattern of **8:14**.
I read **8:03**
